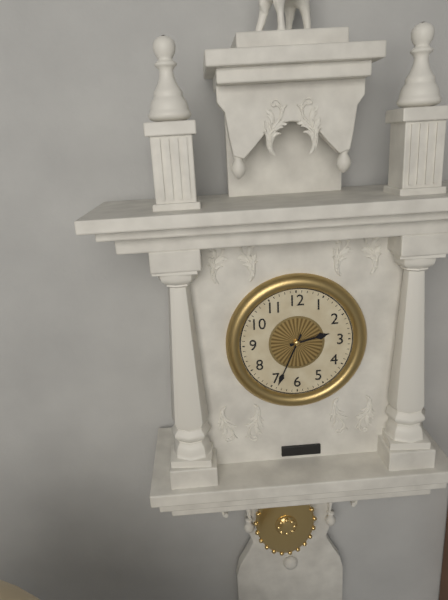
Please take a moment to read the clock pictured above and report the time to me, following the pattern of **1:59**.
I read **2:34**
